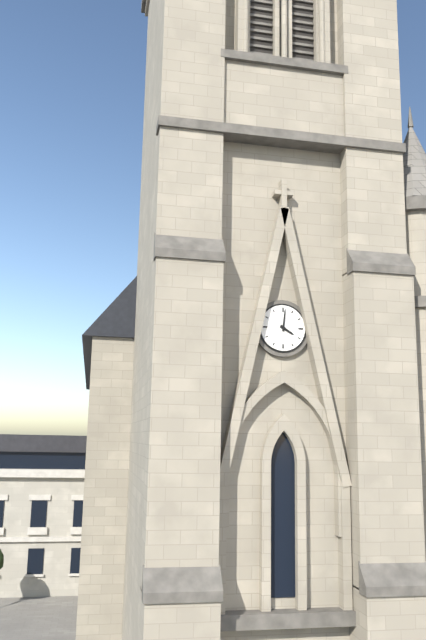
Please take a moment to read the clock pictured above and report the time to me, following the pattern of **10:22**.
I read **4:01**
